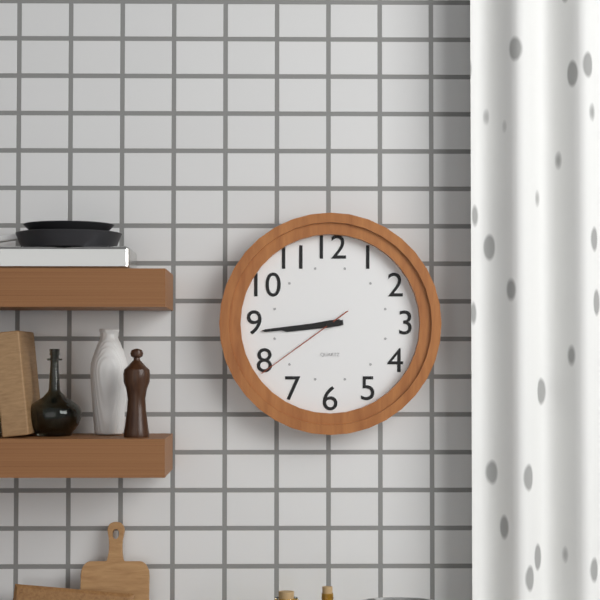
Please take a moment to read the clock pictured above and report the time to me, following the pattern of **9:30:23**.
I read **8:44:39**
